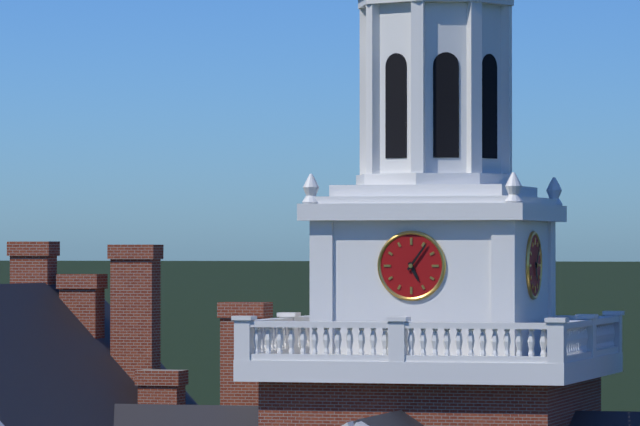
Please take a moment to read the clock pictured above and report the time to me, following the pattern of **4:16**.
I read **5:06**
